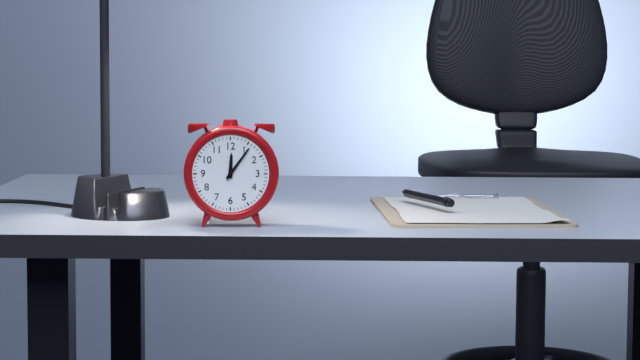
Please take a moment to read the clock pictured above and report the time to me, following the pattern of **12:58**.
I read **12:06**
